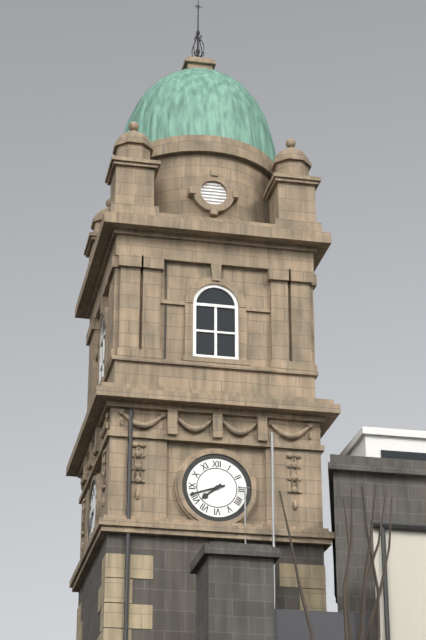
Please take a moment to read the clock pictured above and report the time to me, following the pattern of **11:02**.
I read **7:42**
